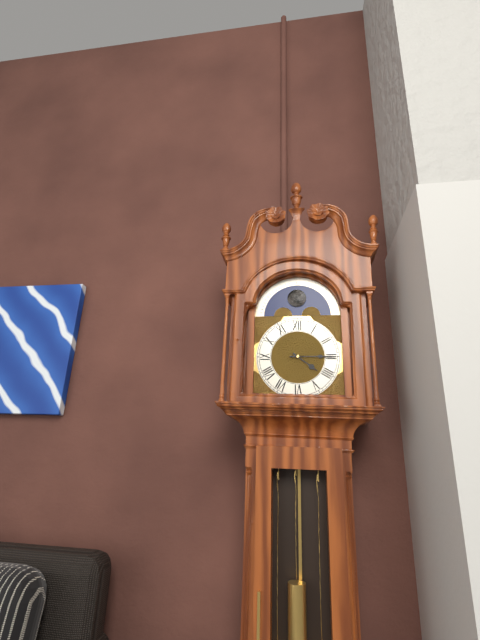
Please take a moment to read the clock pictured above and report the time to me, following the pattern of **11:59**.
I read **4:15**
